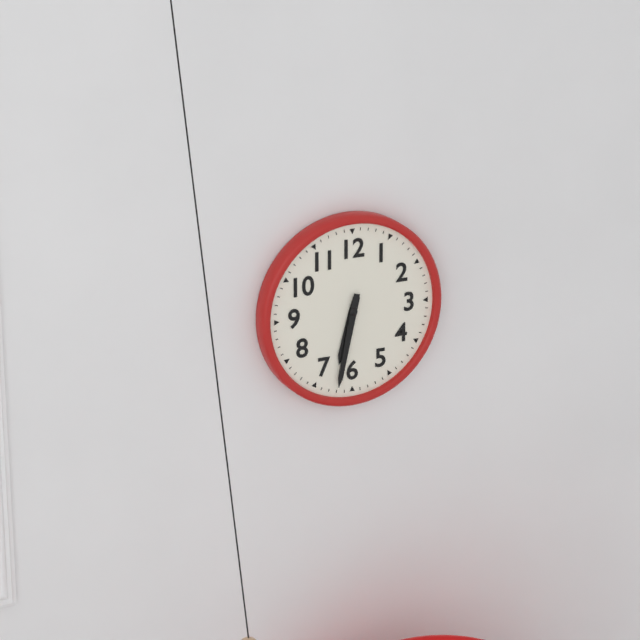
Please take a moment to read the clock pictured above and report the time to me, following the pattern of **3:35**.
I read **6:32**
